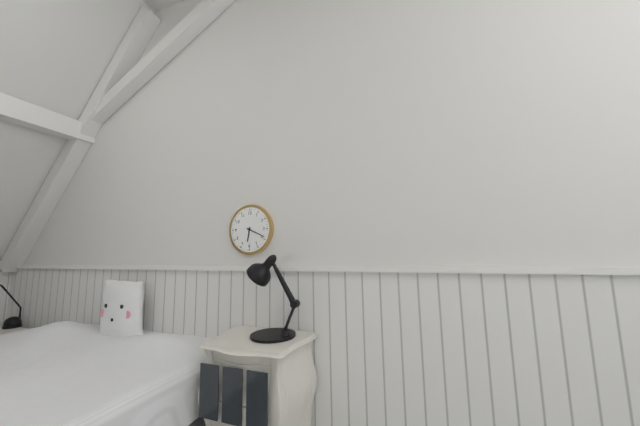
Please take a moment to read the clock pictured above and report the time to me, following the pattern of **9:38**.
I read **6:19**
